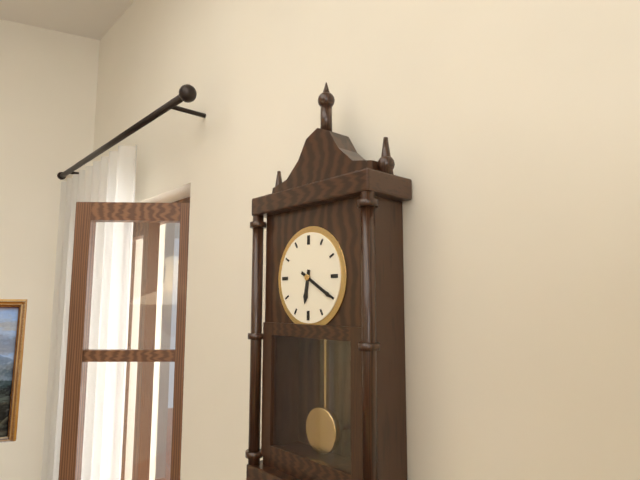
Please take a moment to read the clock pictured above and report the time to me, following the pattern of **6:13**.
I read **6:20**
